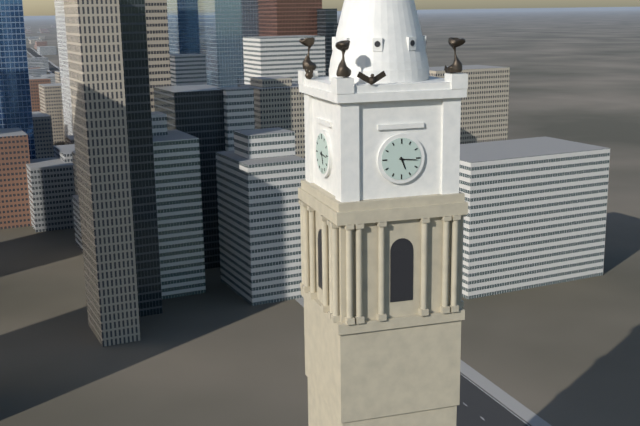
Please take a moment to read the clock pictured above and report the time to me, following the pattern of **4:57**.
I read **5:16**
